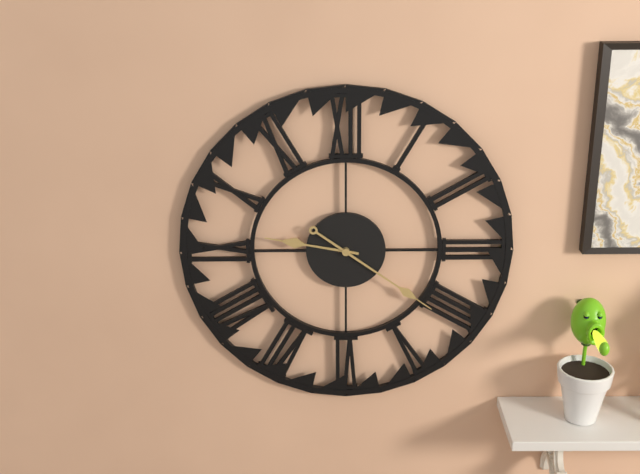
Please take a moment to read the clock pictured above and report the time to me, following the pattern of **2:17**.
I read **9:21**
